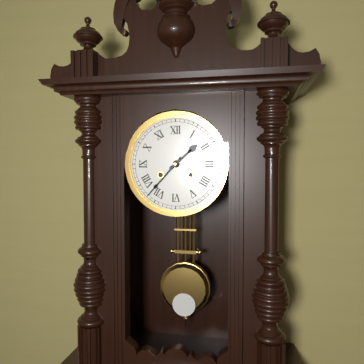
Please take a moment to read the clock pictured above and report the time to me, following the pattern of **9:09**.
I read **1:37**
